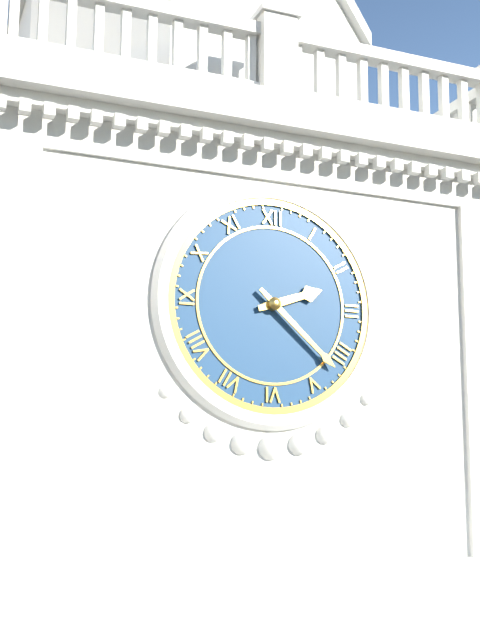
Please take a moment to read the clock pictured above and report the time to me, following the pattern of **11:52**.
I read **2:22**
